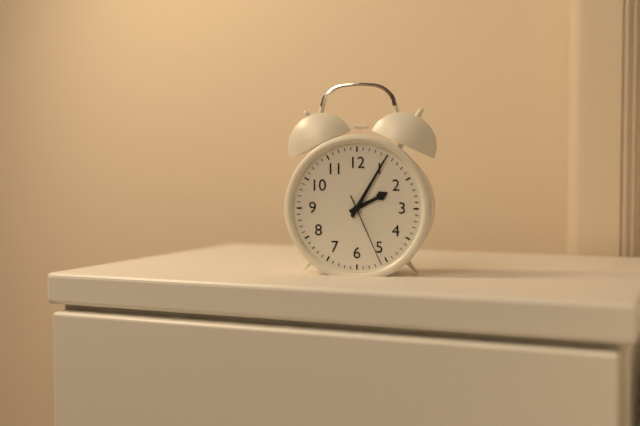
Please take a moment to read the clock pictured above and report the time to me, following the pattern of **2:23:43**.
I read **2:05:26**
